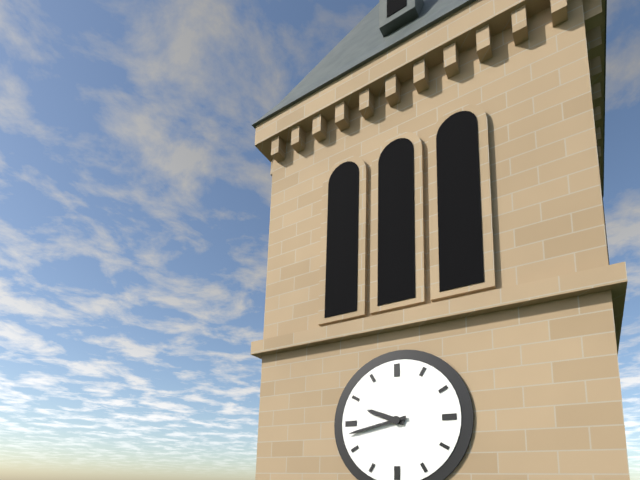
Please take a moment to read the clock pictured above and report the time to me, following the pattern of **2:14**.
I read **9:43**
